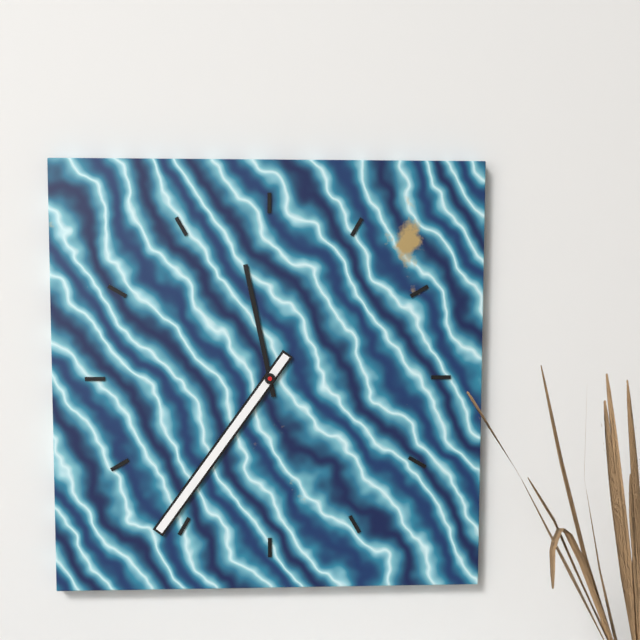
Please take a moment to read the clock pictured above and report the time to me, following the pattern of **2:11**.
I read **11:36**
